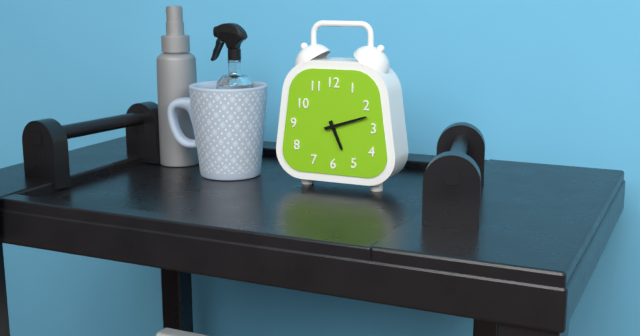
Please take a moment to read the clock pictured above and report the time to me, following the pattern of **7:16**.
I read **5:12**
